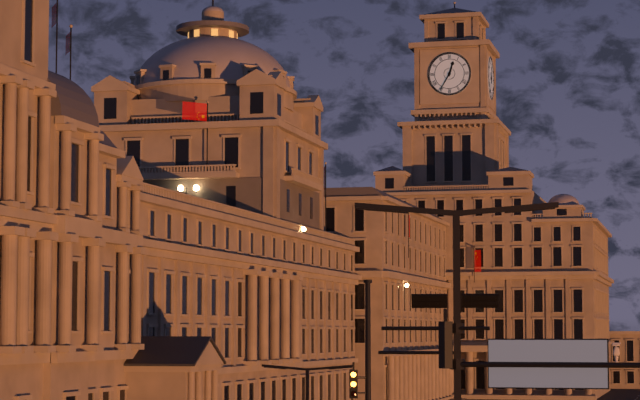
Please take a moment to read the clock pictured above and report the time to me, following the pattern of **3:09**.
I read **12:35**
